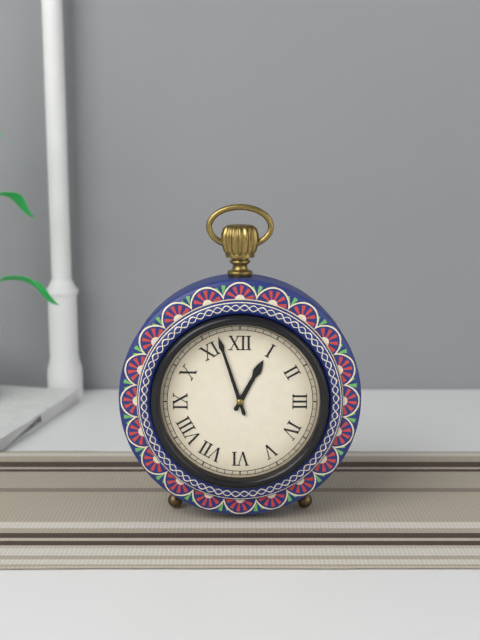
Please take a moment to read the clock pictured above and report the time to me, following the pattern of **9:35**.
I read **12:57**
